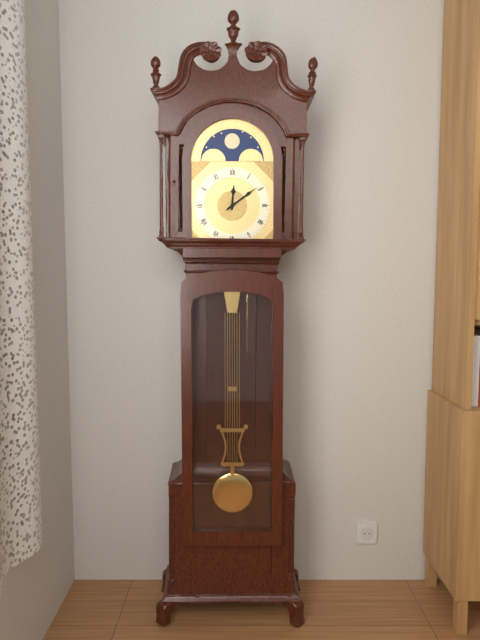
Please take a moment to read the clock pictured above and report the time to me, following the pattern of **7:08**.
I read **12:09**
